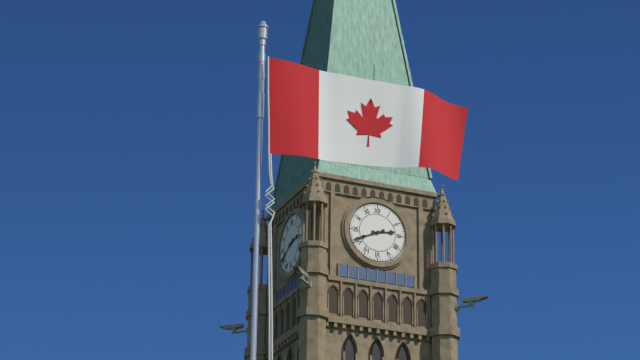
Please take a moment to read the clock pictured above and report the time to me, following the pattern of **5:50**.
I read **2:41**
